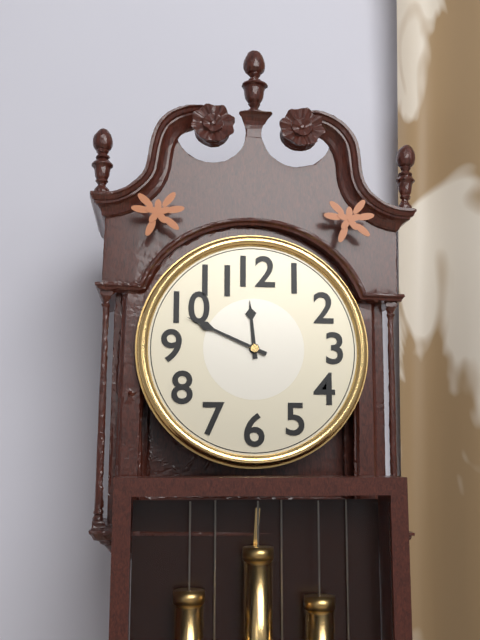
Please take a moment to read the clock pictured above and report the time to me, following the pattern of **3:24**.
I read **11:49**
